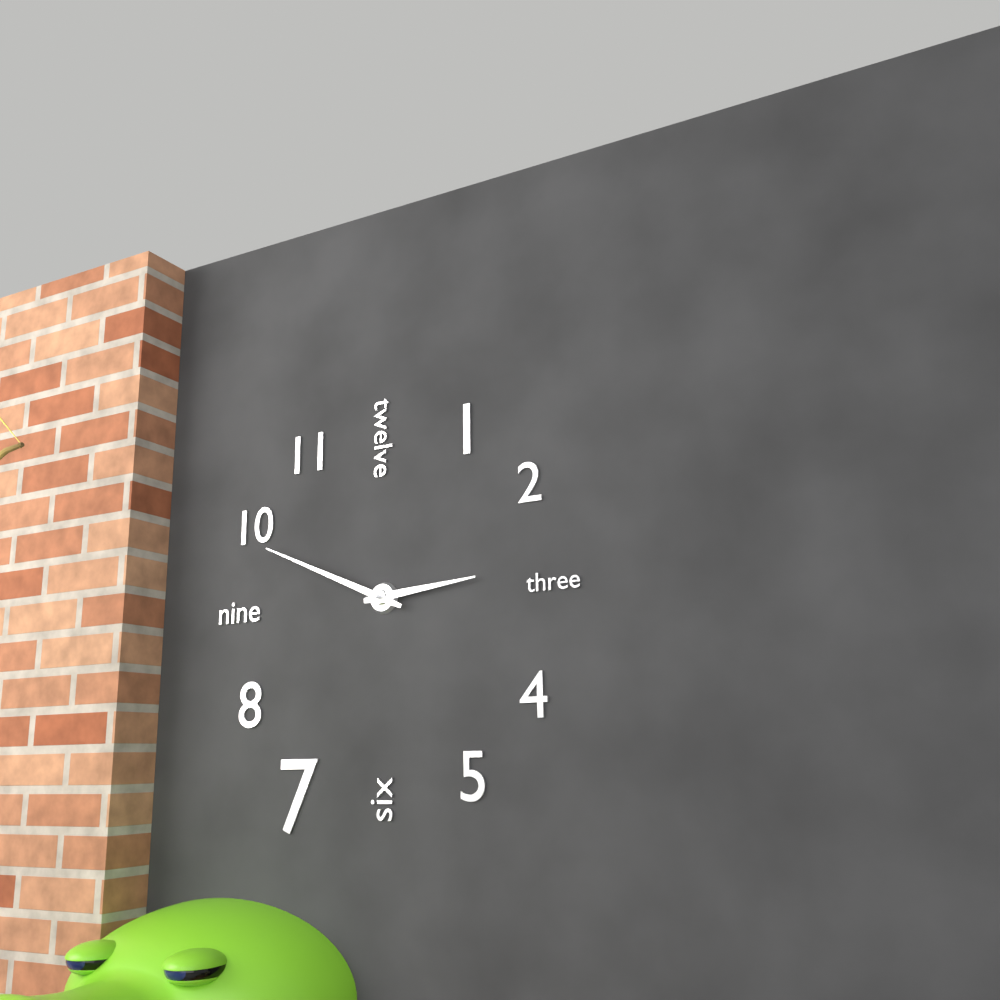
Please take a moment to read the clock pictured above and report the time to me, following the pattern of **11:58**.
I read **2:49**
